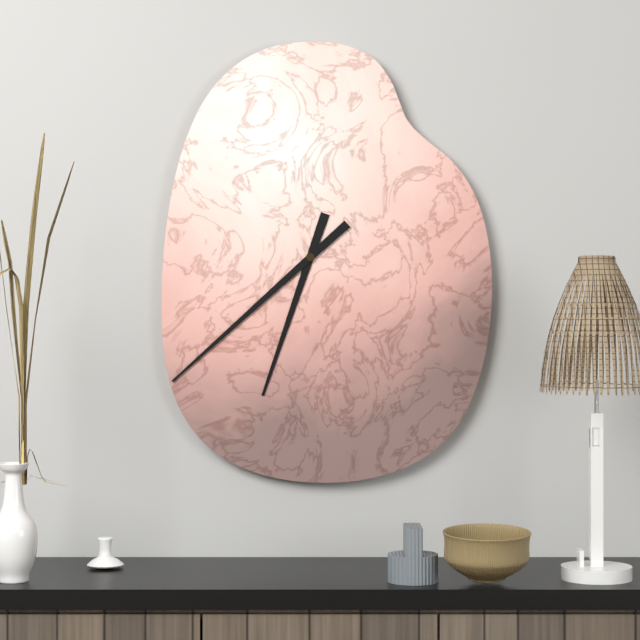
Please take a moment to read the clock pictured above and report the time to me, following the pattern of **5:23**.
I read **6:38**
